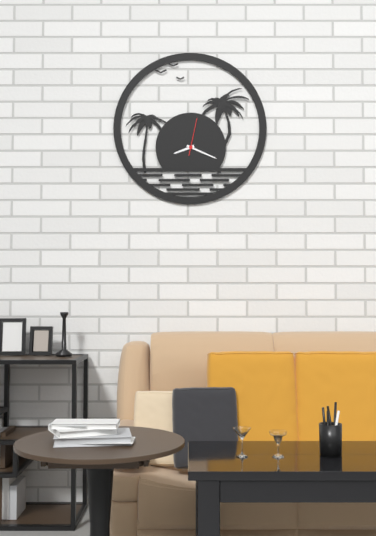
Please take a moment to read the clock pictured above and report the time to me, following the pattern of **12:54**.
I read **8:19**
